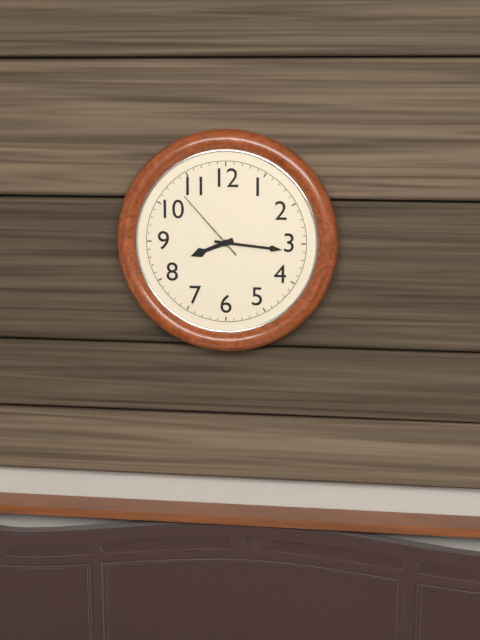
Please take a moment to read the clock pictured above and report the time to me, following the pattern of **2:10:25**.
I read **8:16:53**
